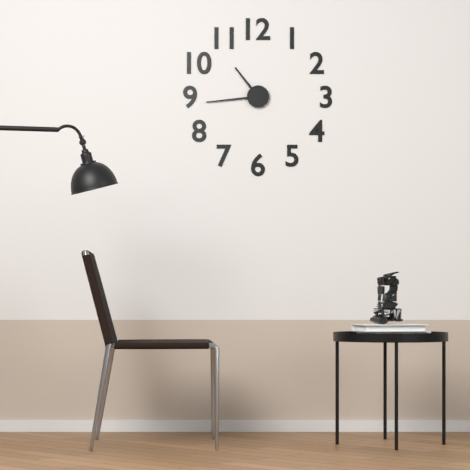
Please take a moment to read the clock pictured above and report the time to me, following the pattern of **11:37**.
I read **10:44**
